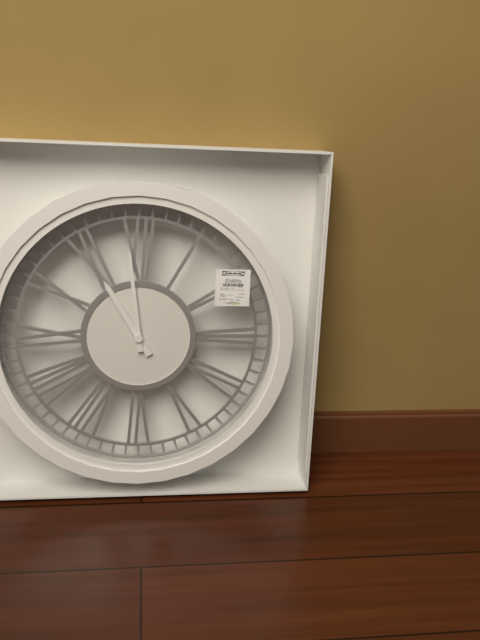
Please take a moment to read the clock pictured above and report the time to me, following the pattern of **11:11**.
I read **10:59**
